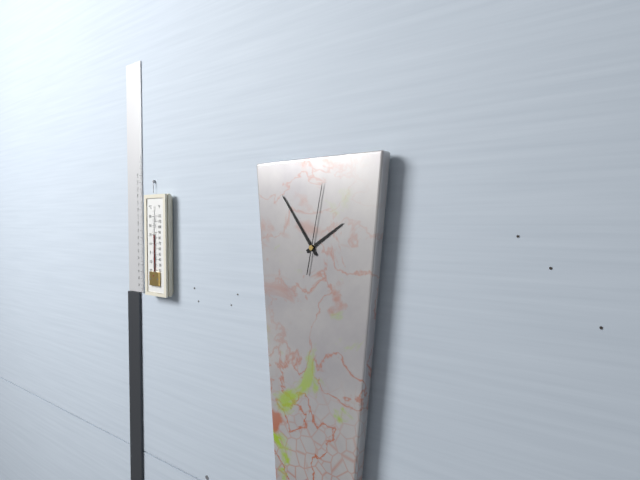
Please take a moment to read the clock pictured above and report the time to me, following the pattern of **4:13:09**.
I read **1:54:02**
